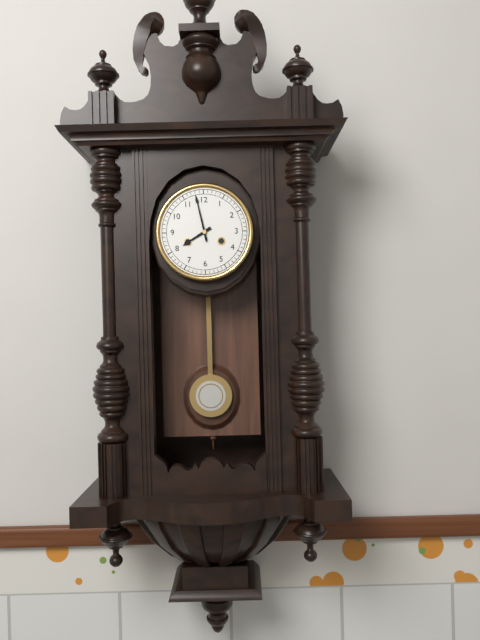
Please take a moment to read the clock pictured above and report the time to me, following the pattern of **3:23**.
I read **7:58**
